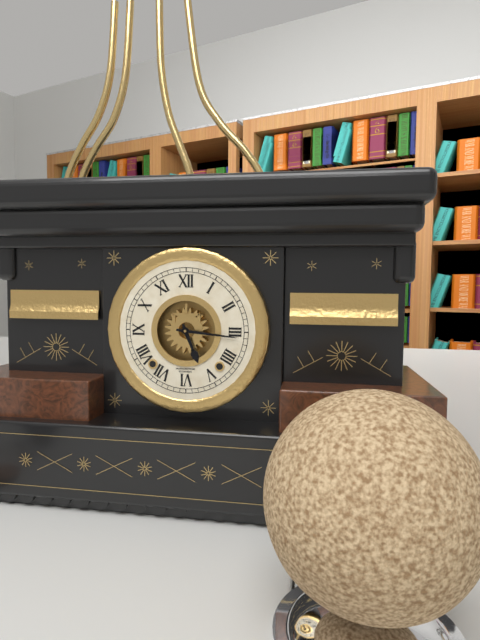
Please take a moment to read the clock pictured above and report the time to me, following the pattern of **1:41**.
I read **5:16**
